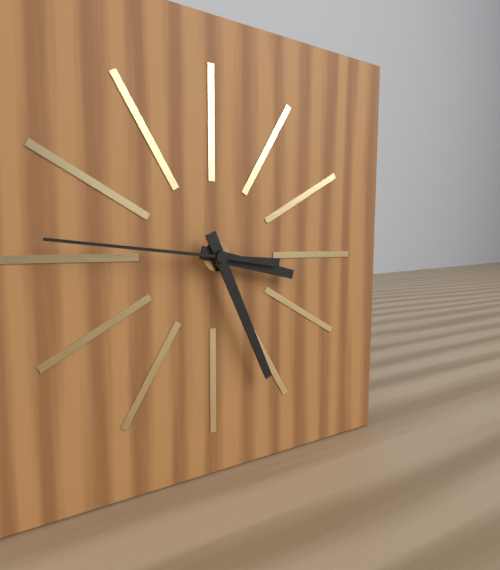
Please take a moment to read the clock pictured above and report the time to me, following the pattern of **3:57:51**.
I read **3:26:46**
